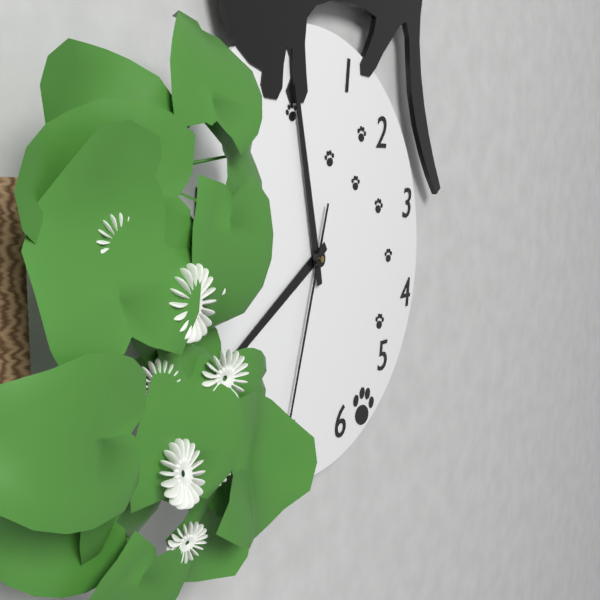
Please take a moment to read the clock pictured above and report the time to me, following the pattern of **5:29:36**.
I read **7:58:33**
